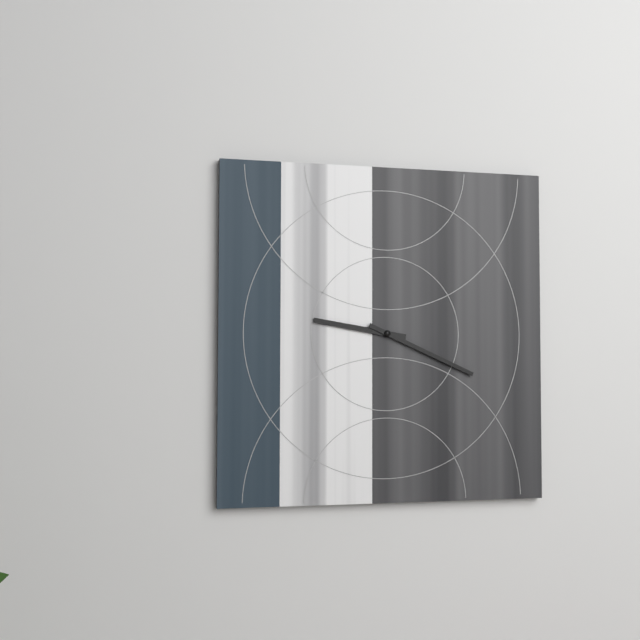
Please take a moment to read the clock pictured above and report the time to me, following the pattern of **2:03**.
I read **9:19**
